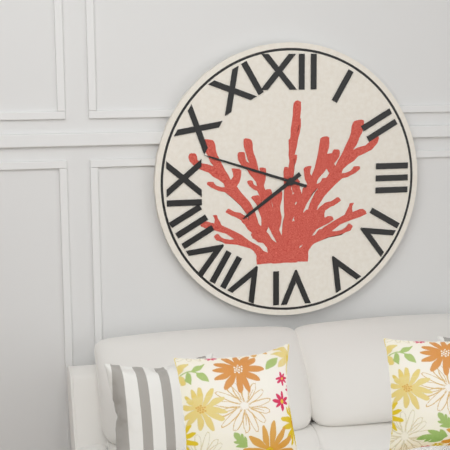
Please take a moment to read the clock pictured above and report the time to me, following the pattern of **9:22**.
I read **7:48**
